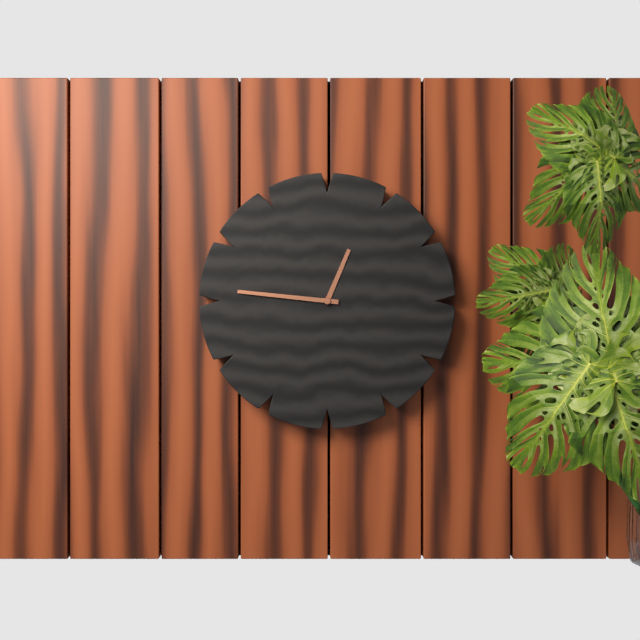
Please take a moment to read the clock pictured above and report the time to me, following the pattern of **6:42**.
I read **12:46**
